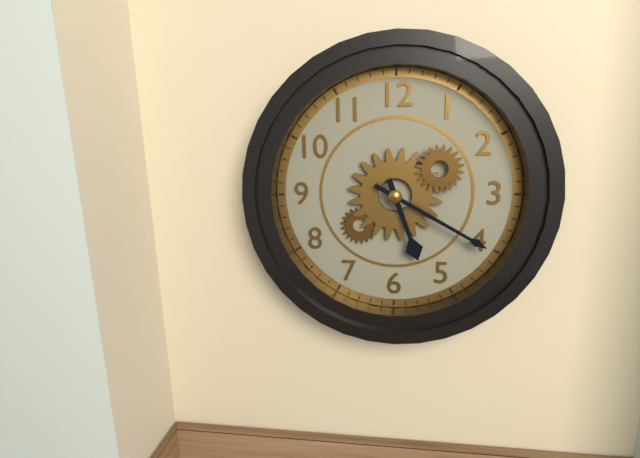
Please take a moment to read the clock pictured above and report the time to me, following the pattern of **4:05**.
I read **5:20**
